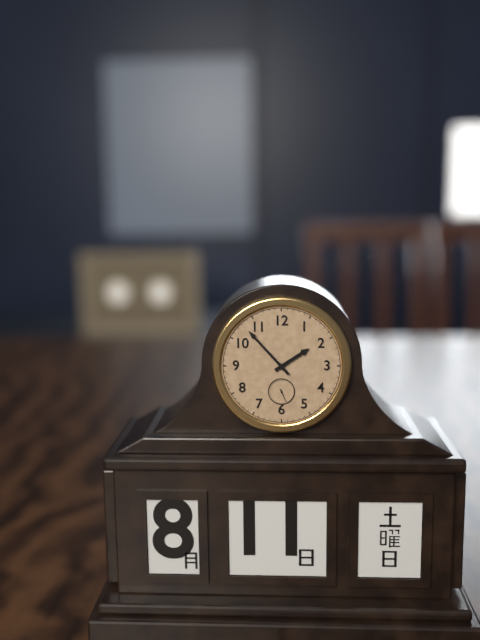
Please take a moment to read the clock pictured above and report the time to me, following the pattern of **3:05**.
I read **1:53**
